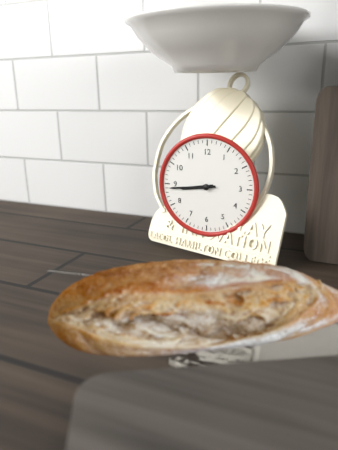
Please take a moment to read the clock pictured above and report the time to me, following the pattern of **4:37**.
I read **8:44**
